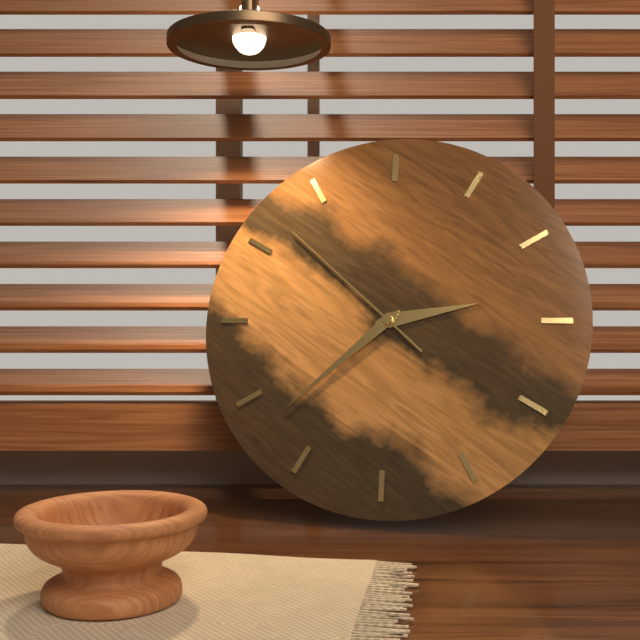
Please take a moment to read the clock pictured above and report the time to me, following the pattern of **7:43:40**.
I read **2:38:52**
